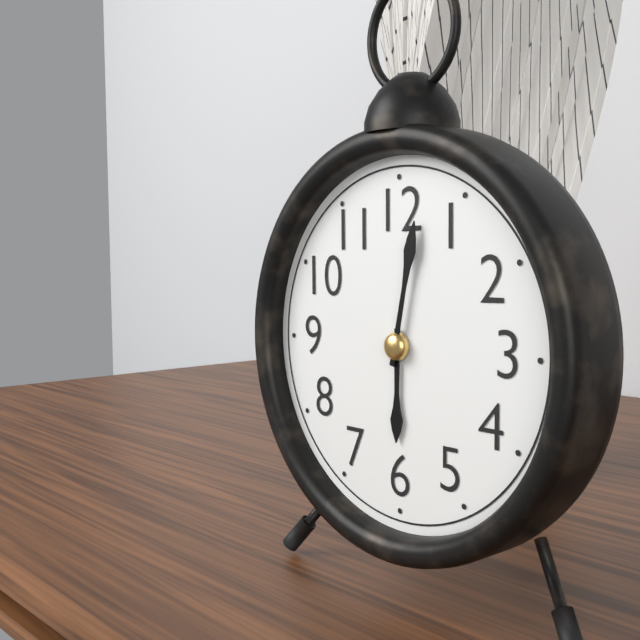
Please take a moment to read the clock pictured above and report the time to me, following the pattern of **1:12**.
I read **6:02**
